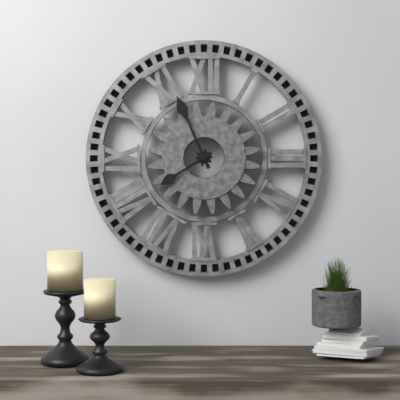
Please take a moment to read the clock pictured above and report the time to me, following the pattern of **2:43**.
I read **7:56**
